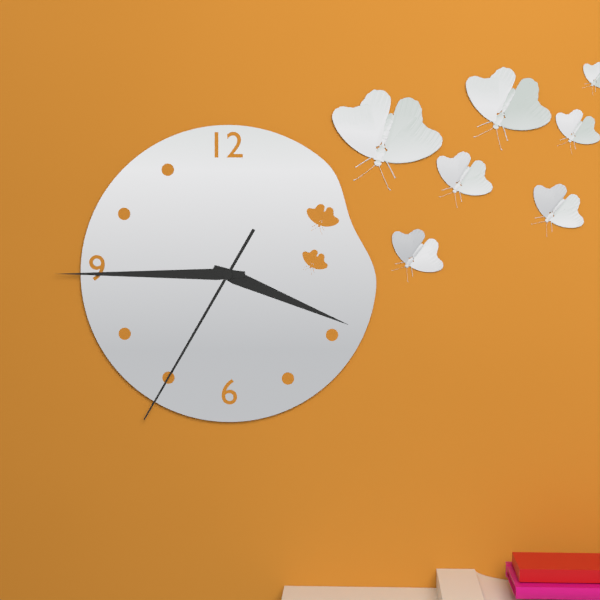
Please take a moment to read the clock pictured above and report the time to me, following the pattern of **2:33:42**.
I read **3:45:35**
